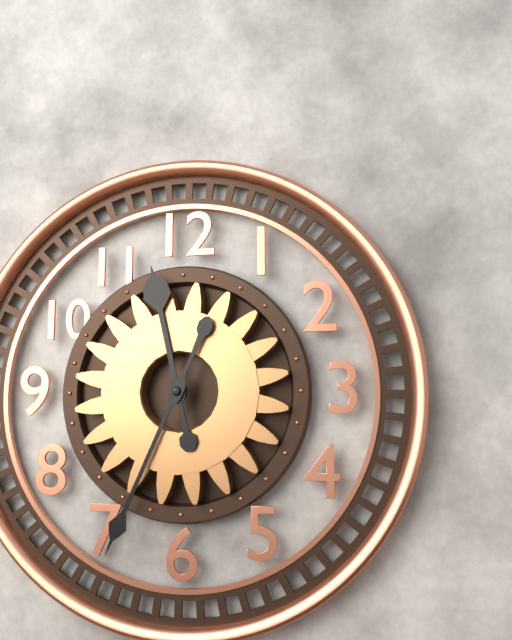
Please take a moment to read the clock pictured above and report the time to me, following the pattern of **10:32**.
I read **11:34**
